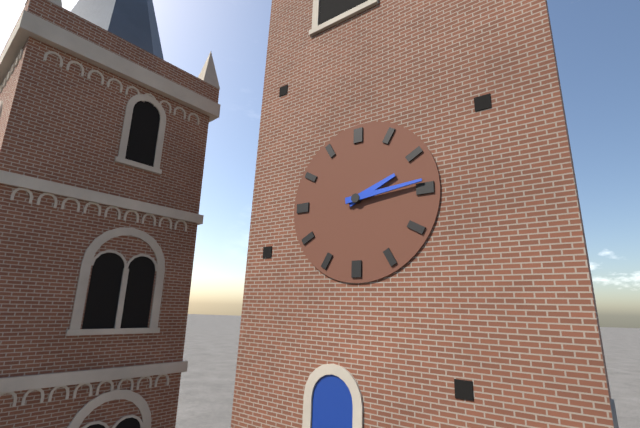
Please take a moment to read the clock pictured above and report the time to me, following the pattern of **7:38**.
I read **2:14**
